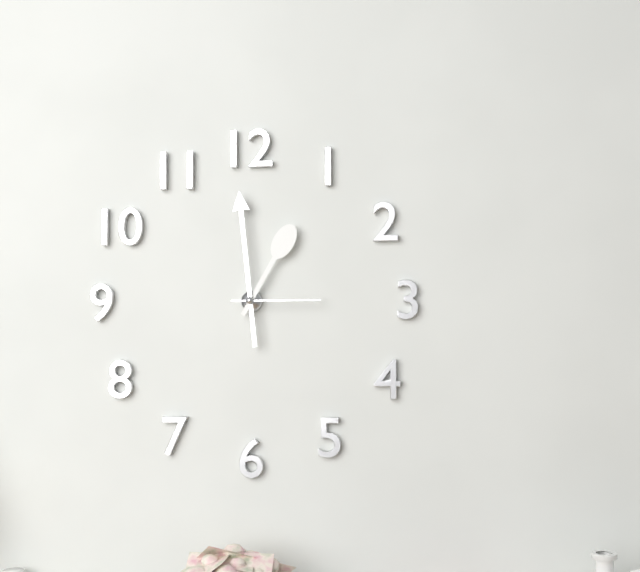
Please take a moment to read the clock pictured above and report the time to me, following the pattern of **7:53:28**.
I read **12:59:15**
